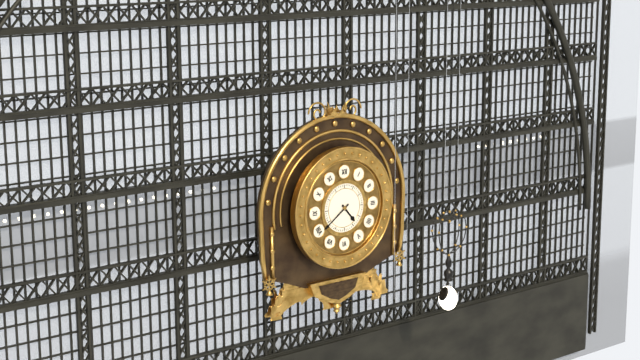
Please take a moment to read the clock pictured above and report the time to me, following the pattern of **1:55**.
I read **4:39**
